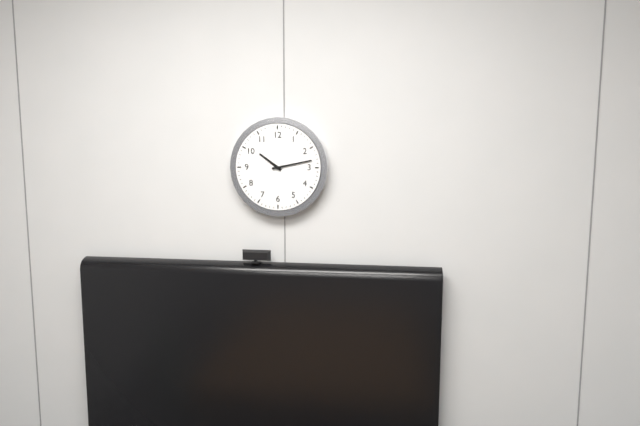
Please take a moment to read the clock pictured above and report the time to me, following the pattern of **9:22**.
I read **10:13**
